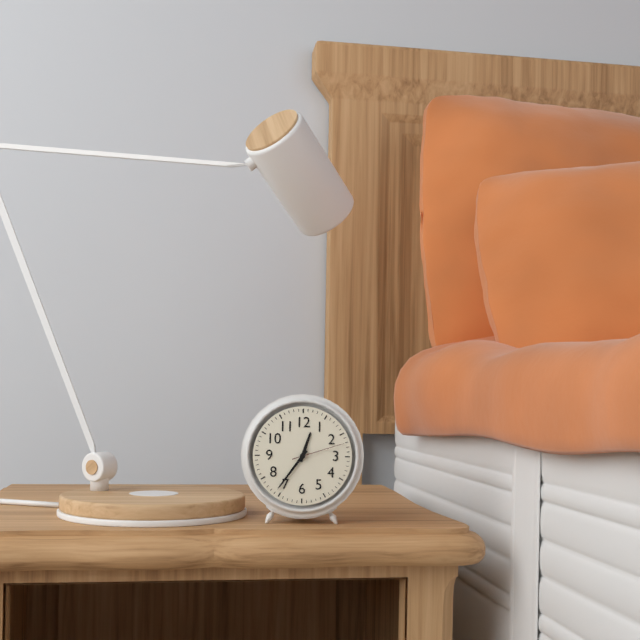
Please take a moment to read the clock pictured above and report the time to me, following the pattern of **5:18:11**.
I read **12:36:12**
